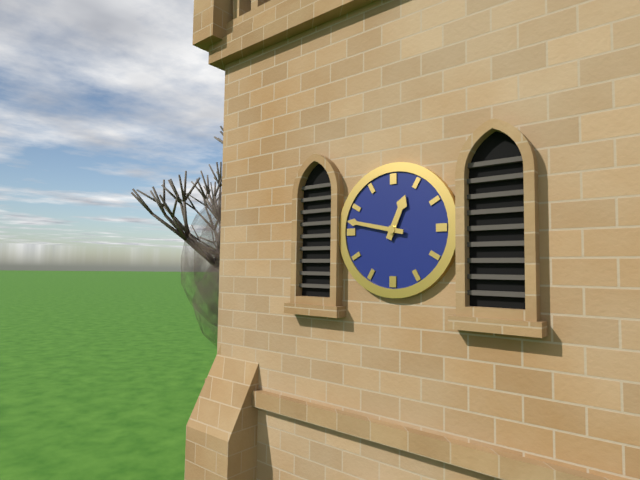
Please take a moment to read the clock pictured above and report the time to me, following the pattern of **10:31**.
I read **12:47**
